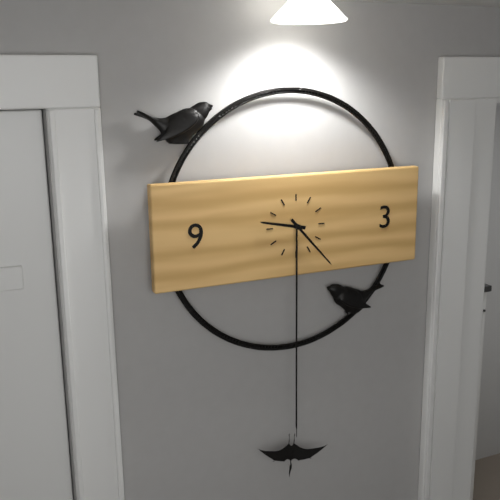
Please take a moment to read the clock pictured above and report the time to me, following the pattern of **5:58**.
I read **9:23**
